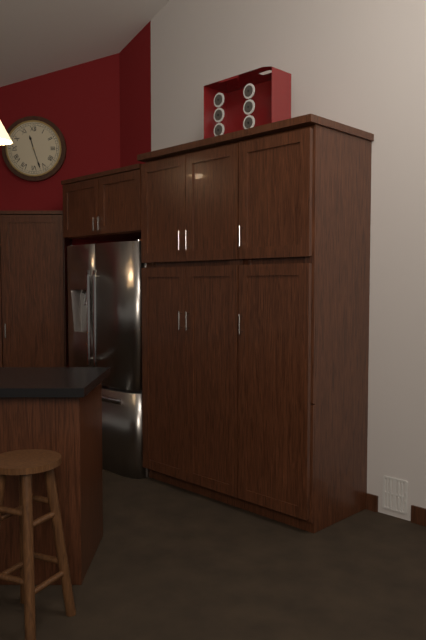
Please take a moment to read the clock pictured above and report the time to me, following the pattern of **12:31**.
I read **11:27**
